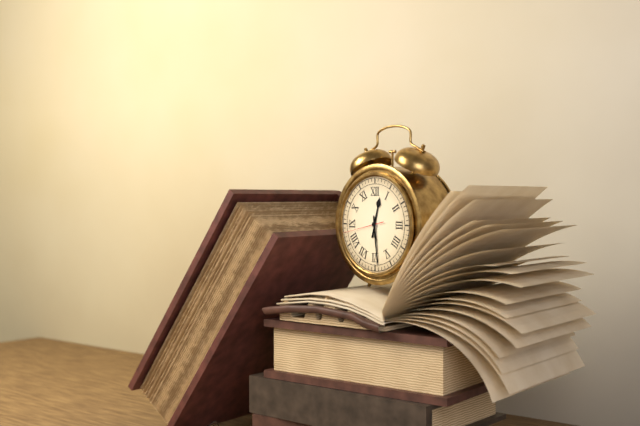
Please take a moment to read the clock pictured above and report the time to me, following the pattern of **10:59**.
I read **12:29**
